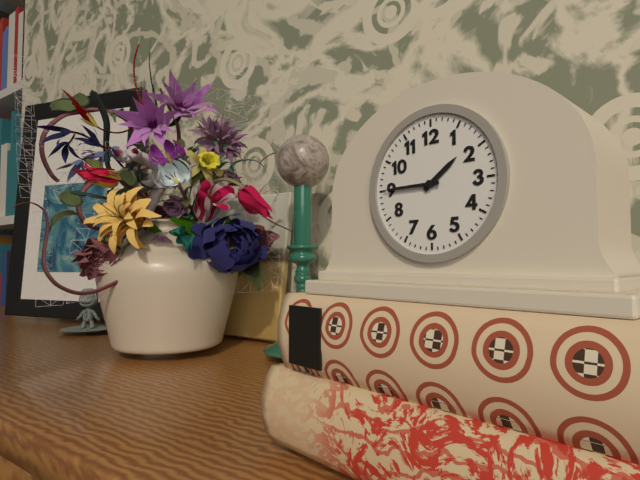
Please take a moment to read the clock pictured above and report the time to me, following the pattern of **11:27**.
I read **1:45**
